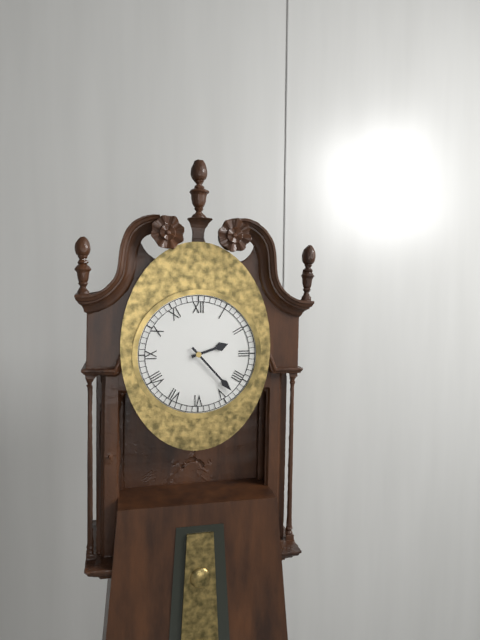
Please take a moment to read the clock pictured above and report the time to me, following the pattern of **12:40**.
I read **2:23**
